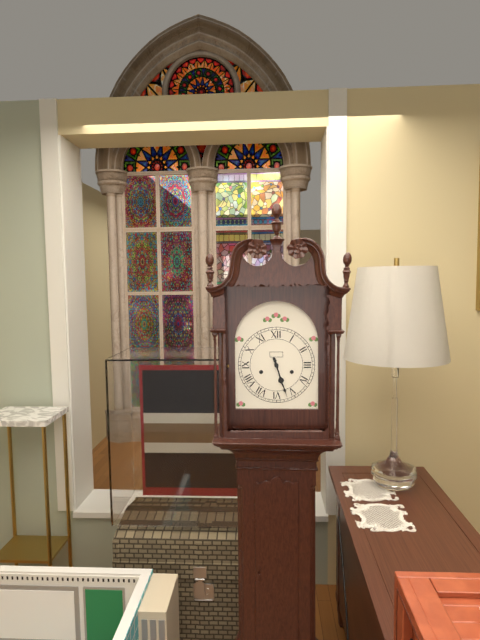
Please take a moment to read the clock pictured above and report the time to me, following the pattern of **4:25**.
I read **5:27**
